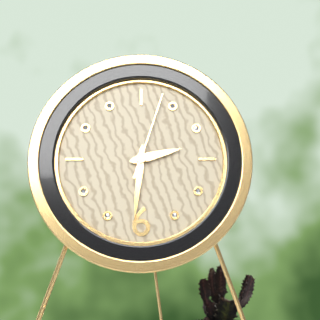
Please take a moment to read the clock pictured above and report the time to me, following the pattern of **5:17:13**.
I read **2:31:03**
